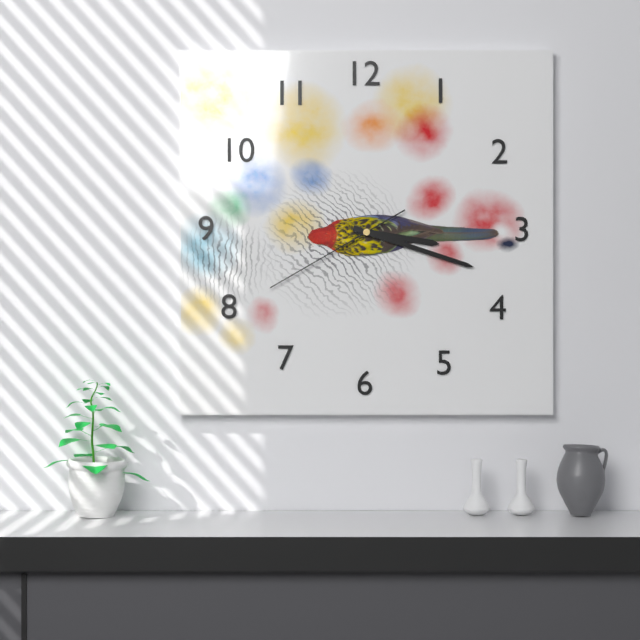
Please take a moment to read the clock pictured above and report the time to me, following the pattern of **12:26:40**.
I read **3:18:40**
